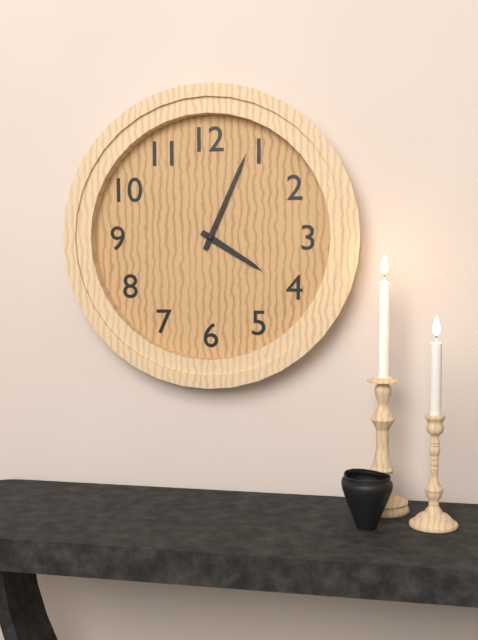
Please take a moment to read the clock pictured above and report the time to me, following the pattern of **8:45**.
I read **4:04**
